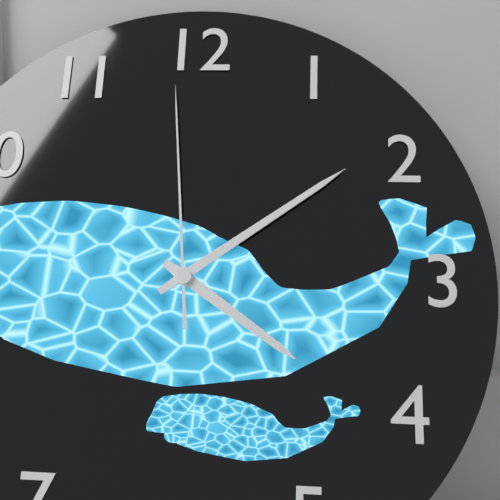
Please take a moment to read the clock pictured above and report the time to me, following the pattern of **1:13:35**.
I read **4:09:59**
